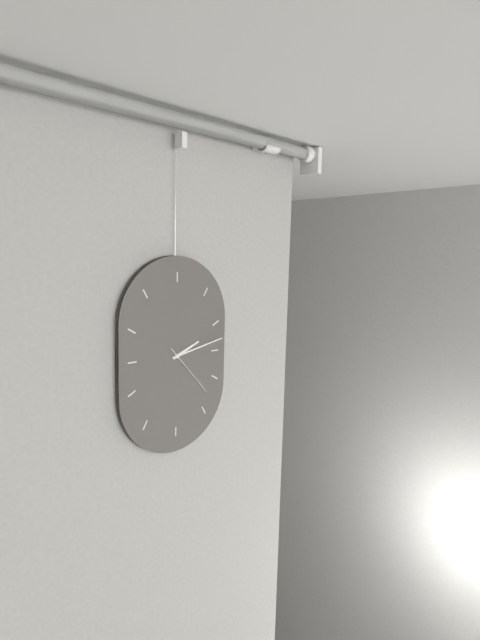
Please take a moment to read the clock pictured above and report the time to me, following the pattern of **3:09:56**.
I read **2:13:23**
